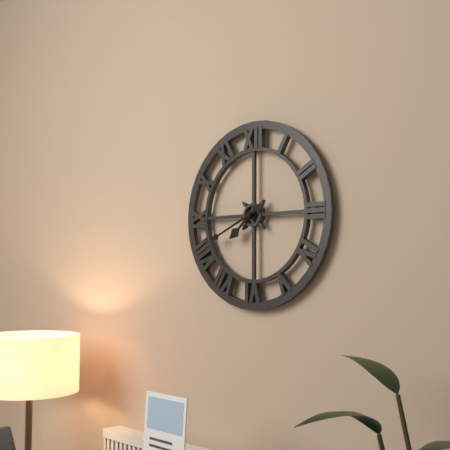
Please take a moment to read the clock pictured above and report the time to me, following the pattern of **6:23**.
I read **7:41**
